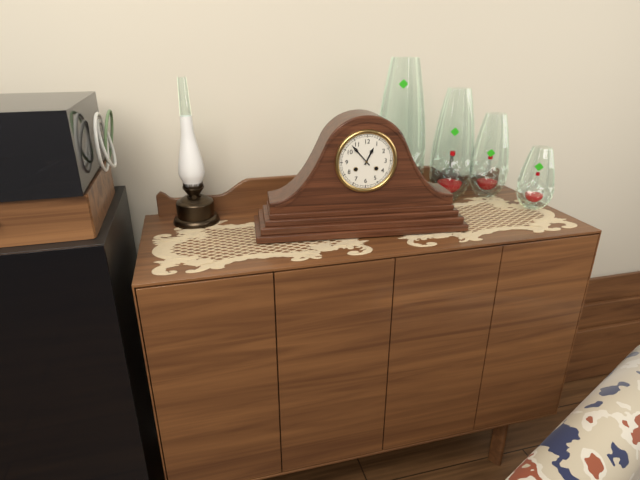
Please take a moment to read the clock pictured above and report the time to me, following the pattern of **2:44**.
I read **12:53**
